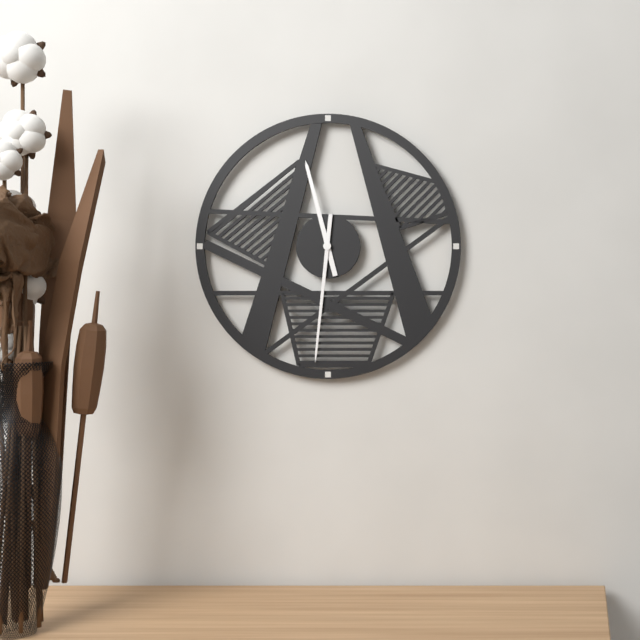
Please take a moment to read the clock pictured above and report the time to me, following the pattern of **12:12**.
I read **11:31**
